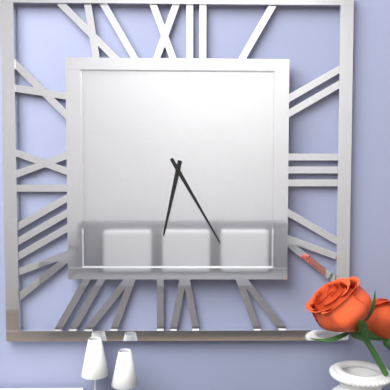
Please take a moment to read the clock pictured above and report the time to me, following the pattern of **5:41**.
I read **6:25**
